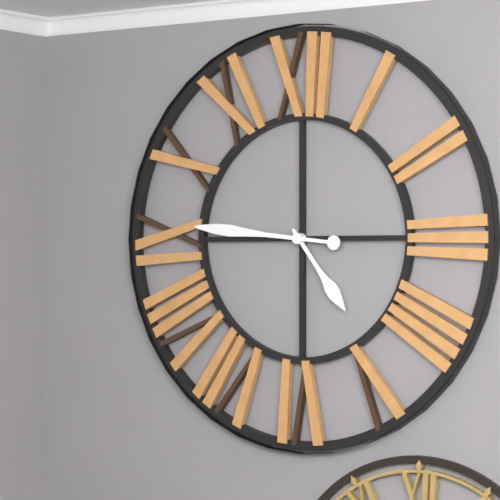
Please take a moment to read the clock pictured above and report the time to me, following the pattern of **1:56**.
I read **4:46**
